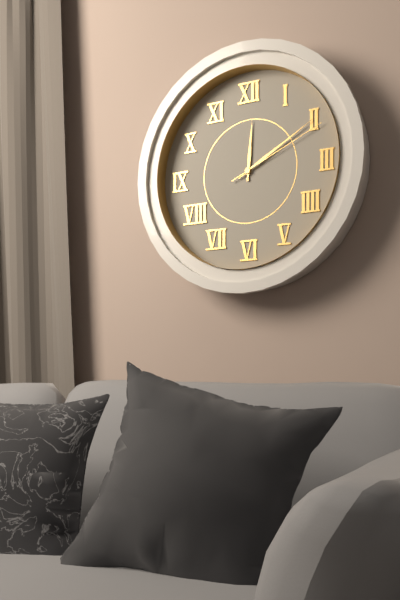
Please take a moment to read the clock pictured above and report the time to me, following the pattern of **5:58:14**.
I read **12:10:11**
